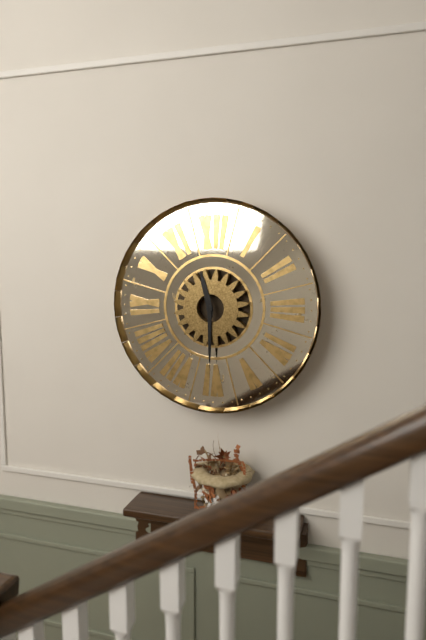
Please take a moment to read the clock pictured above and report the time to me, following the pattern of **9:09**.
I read **11:30**
